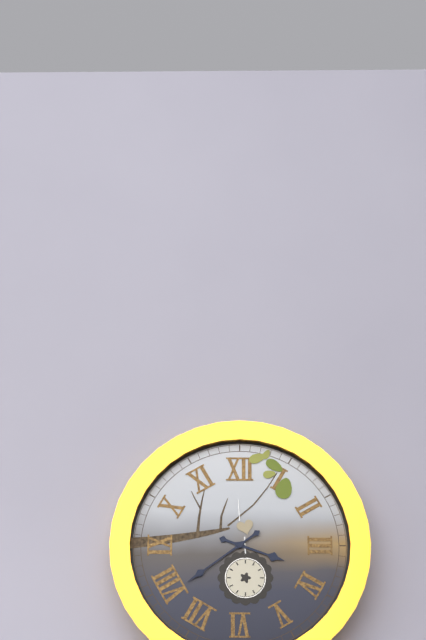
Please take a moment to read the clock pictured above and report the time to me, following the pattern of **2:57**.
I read **3:39**
